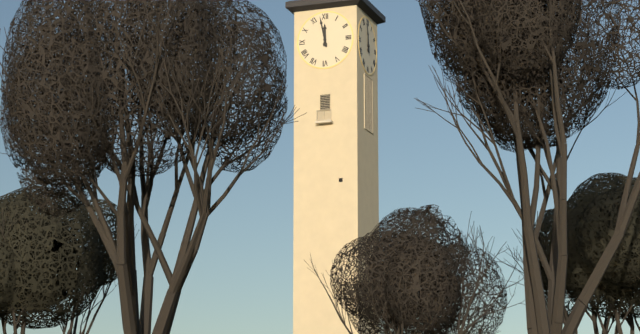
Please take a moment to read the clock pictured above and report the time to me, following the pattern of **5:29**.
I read **11:58**
